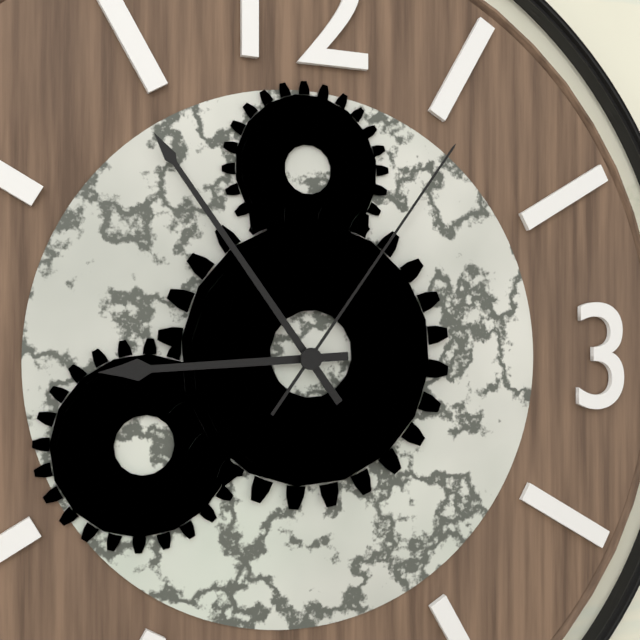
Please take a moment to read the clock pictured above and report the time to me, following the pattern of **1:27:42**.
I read **8:54:06**
